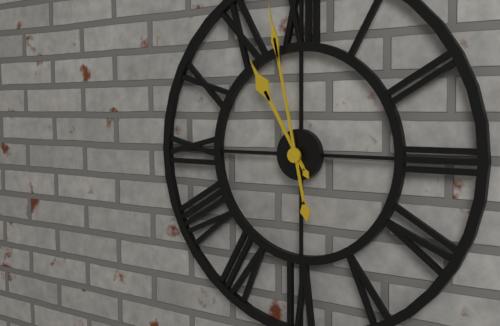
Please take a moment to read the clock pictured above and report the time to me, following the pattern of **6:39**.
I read **10:58**
